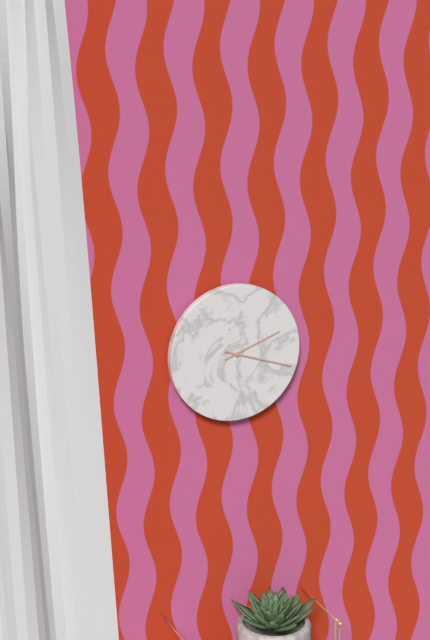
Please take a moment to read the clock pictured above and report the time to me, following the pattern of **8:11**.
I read **2:18**
